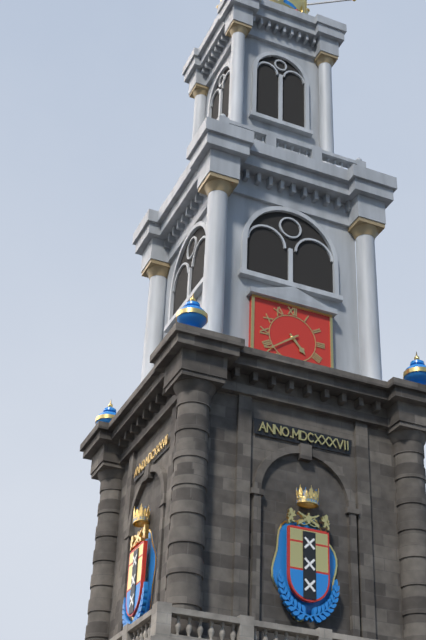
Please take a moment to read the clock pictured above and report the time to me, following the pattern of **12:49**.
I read **4:39**
